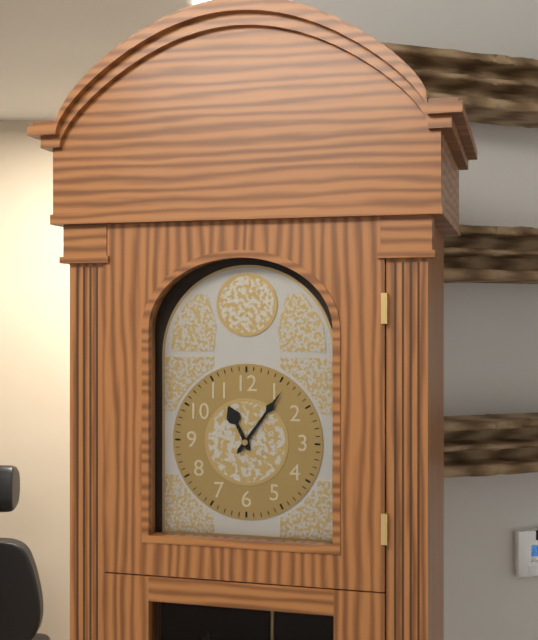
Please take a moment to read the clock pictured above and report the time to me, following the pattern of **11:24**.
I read **11:06**
